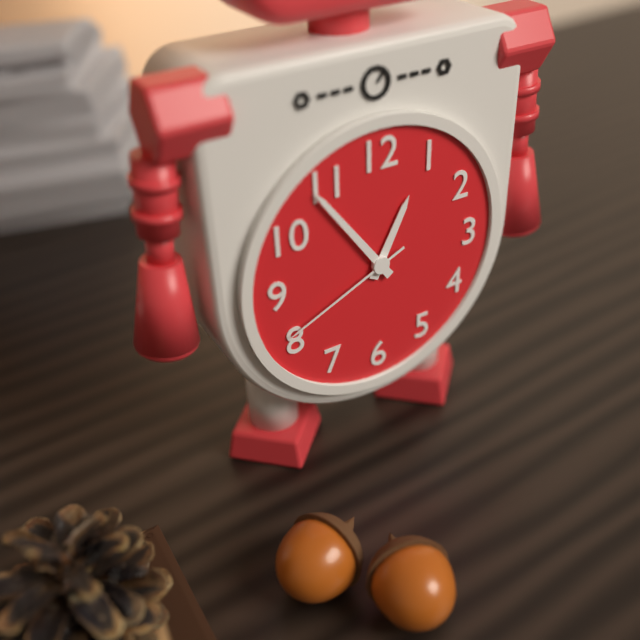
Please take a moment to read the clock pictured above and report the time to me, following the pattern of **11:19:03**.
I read **12:54:41**
